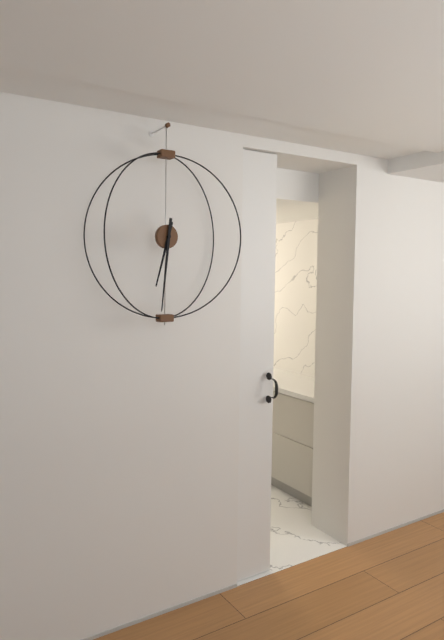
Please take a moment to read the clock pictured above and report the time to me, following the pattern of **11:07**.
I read **6:31**
